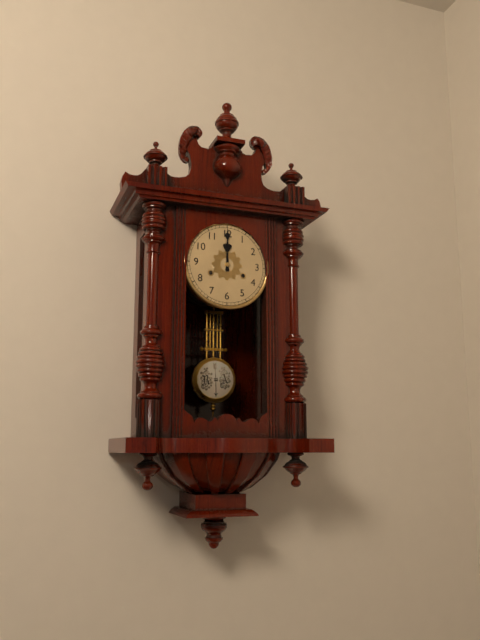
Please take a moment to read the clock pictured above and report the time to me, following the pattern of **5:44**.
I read **12:00**
